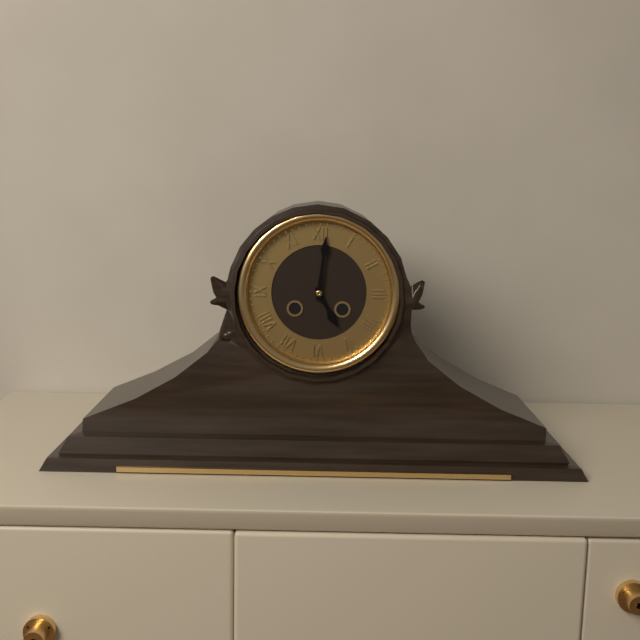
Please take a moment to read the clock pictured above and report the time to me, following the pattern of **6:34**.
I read **5:01**
